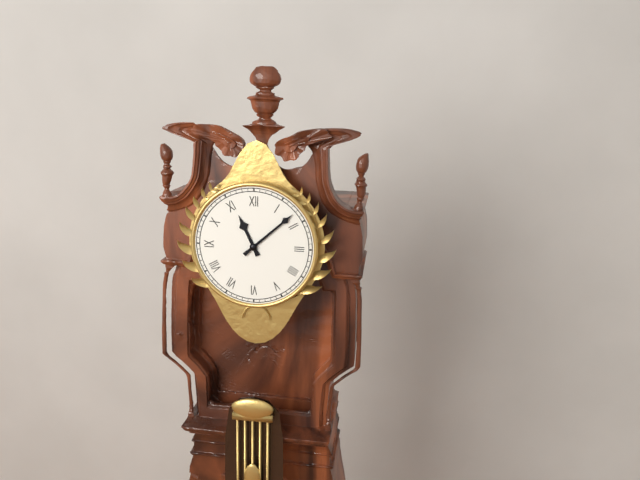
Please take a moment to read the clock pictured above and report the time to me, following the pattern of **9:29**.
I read **11:08**
